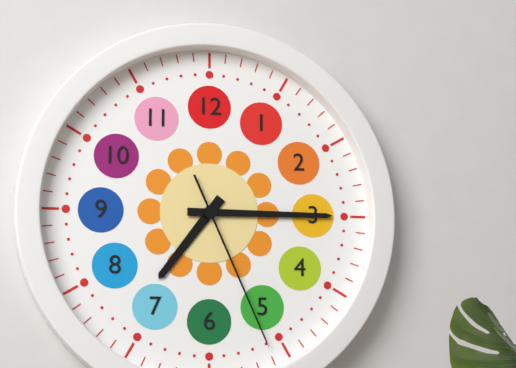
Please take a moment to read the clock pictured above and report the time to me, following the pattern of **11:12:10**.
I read **7:15:26**
